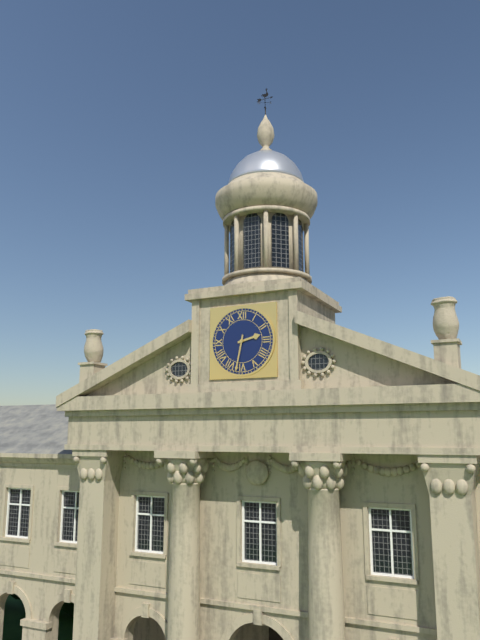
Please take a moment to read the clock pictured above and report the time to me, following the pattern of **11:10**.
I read **2:32**
